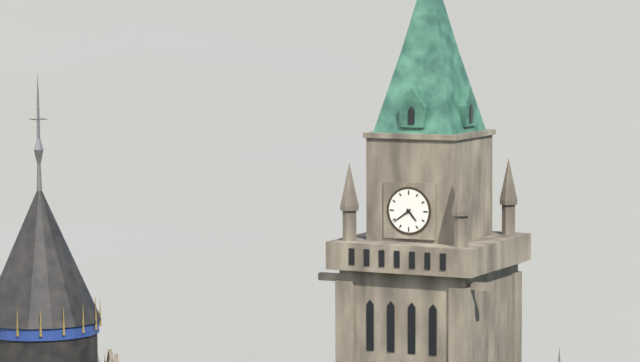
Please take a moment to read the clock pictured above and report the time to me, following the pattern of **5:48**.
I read **4:39**
